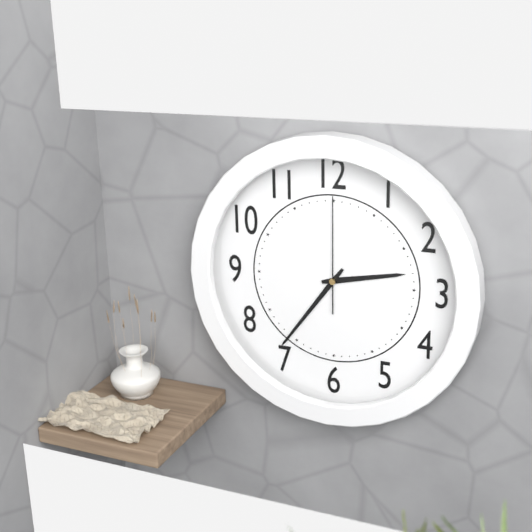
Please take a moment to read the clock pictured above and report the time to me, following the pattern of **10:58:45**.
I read **2:36:00**
